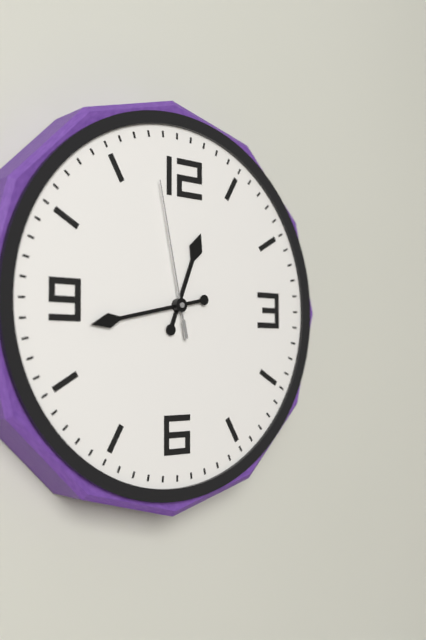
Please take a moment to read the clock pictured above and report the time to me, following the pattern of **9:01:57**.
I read **12:43:58**
